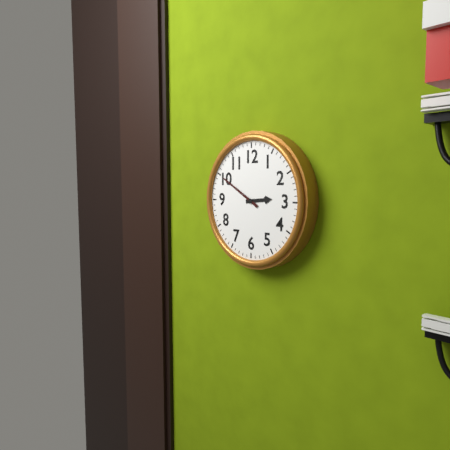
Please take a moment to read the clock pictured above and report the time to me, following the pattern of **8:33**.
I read **2:50**
